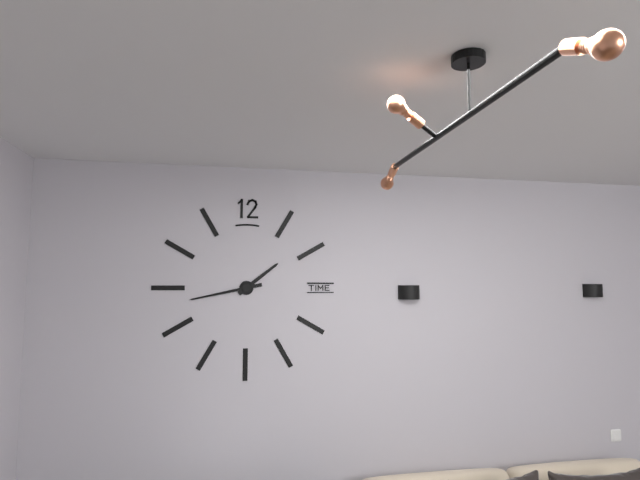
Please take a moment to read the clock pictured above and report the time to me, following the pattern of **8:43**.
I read **1:43**
